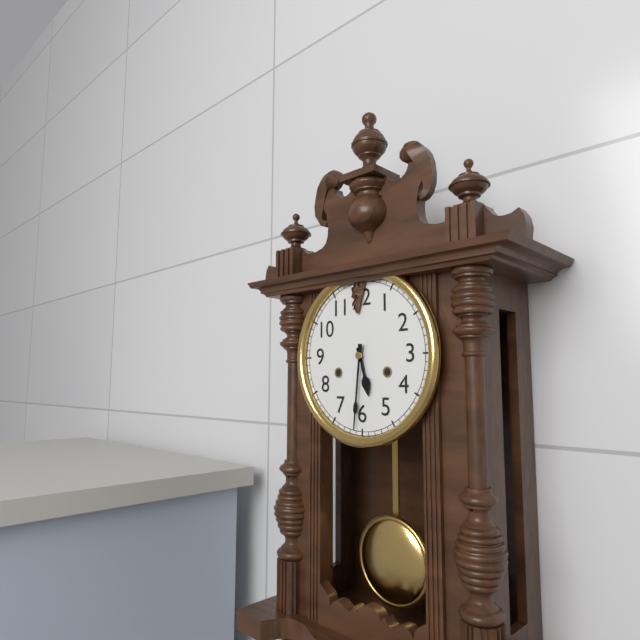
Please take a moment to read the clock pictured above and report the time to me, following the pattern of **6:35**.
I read **5:31**
